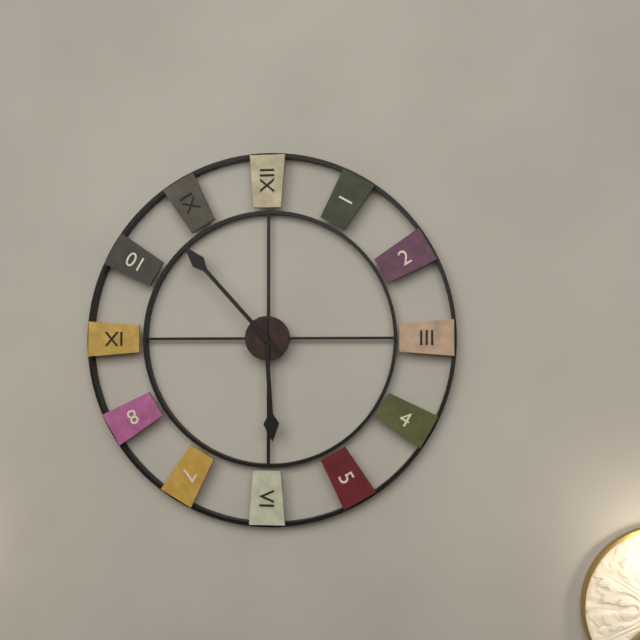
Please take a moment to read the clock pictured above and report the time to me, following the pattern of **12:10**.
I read **5:53**
